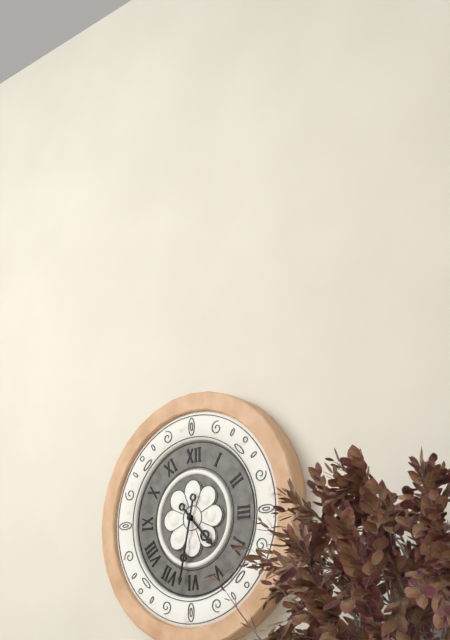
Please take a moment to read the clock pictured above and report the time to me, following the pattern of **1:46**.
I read **4:32**
